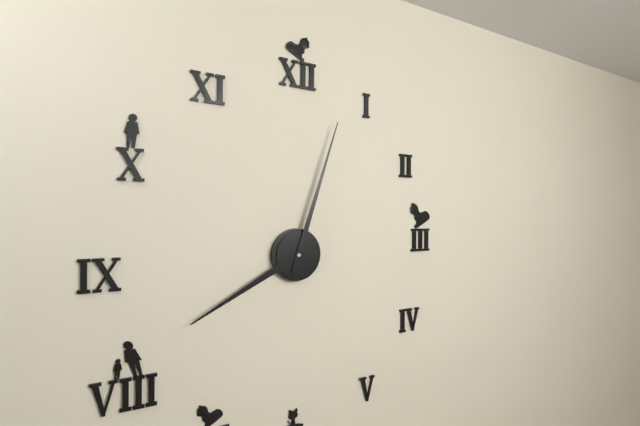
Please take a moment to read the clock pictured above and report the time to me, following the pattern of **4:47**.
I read **8:03**
